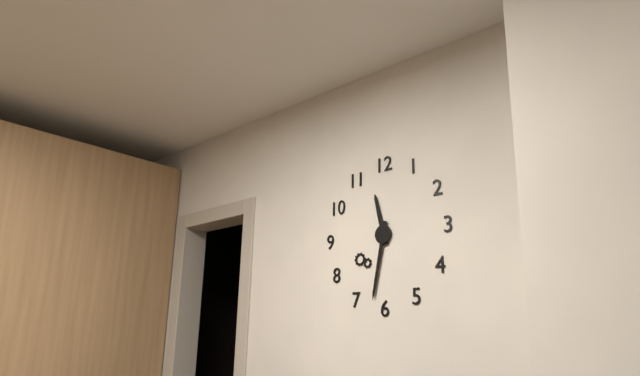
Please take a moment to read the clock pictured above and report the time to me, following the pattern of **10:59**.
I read **11:32**
